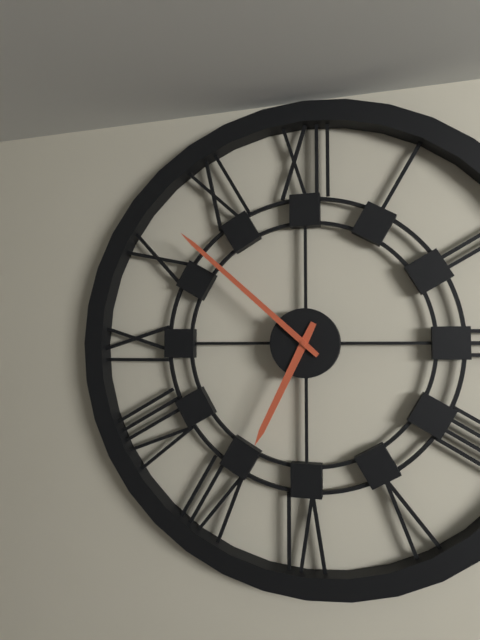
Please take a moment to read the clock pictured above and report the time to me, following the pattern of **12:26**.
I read **6:52**
